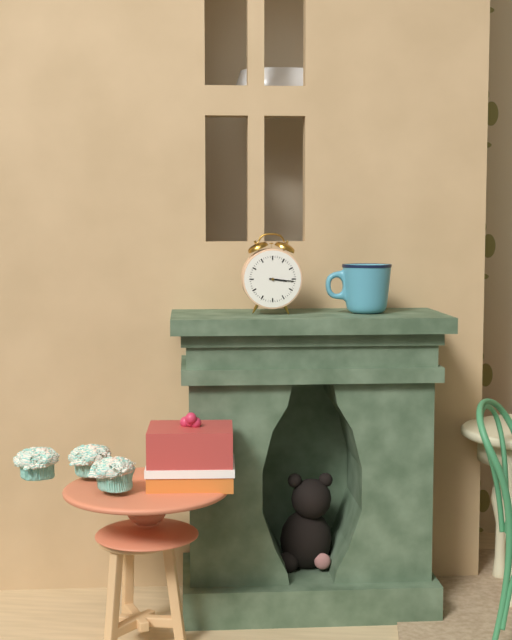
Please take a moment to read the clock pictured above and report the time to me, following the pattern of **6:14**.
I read **3:16**
